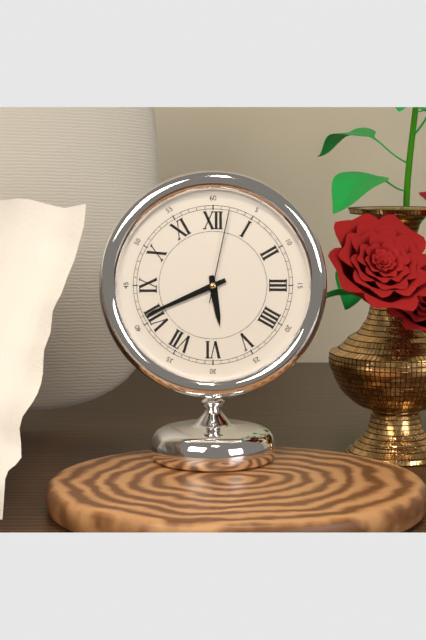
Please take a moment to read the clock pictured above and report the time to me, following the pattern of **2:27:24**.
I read **5:41:02**
